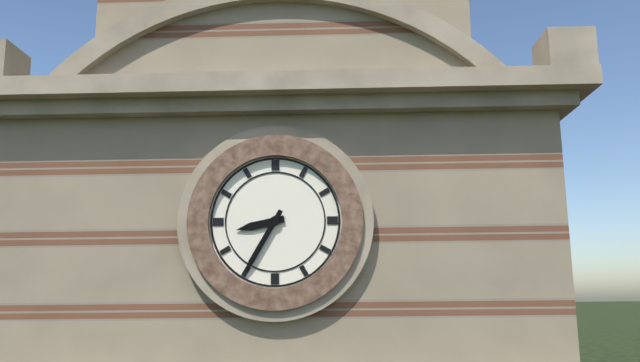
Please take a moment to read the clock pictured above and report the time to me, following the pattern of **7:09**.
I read **8:35**
